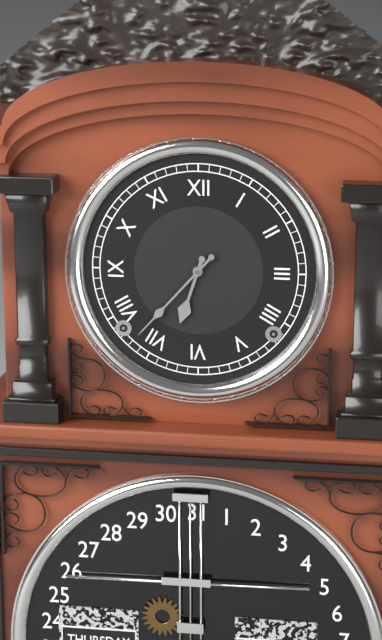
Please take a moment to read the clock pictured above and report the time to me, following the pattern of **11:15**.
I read **6:37**
